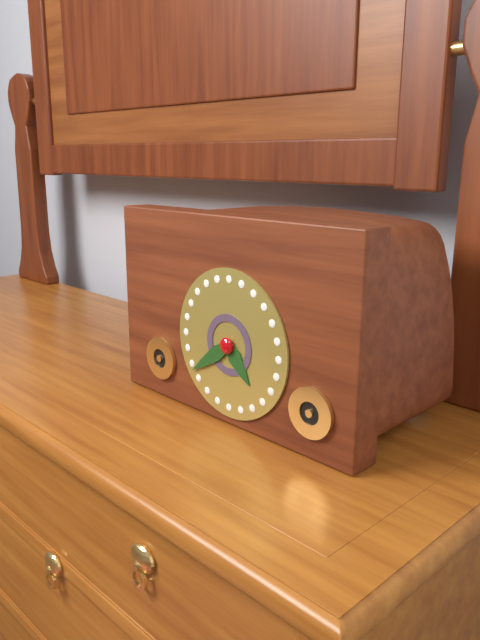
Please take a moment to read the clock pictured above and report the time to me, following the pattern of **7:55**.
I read **4:39**
